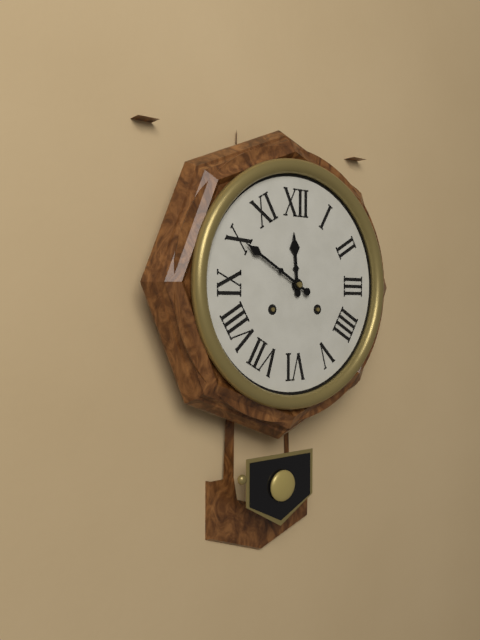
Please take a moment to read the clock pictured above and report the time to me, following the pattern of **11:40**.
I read **11:50**
